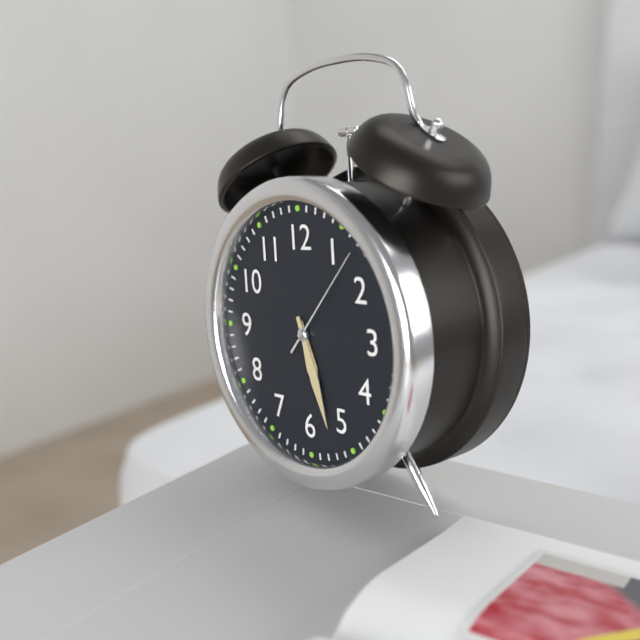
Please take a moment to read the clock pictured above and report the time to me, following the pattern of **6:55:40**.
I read **5:27:07**
